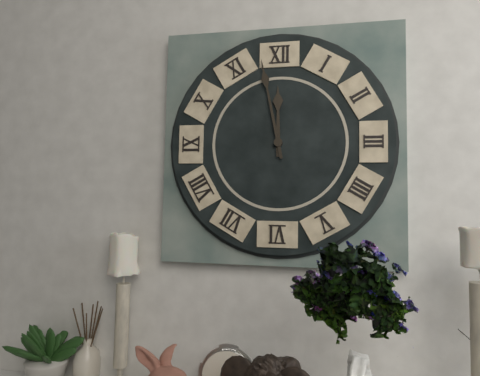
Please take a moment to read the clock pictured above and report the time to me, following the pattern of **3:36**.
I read **11:58**
